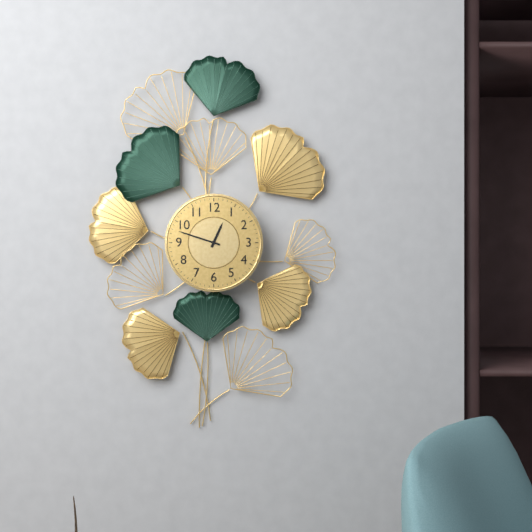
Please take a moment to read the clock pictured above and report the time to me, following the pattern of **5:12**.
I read **12:48**
